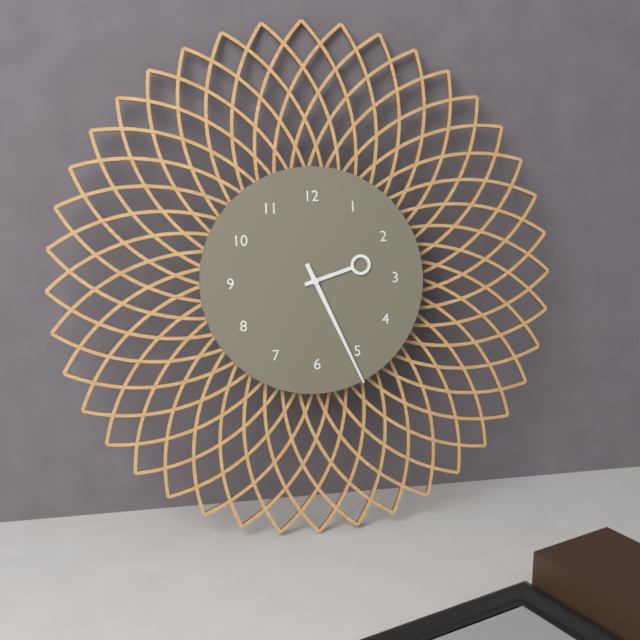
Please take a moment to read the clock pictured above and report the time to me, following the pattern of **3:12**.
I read **2:26**
